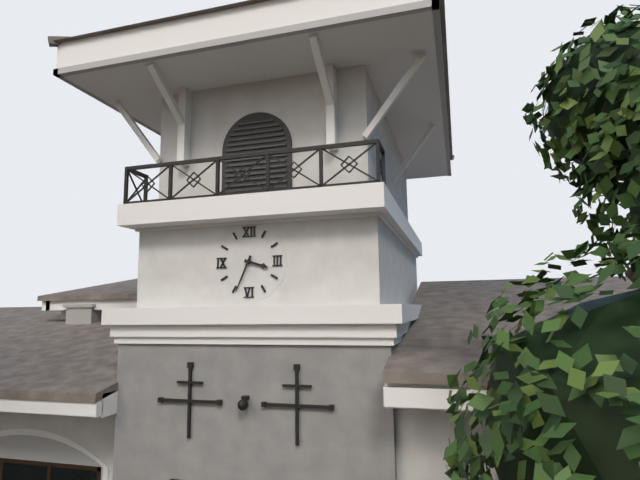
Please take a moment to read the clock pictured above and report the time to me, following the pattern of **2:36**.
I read **3:34**
